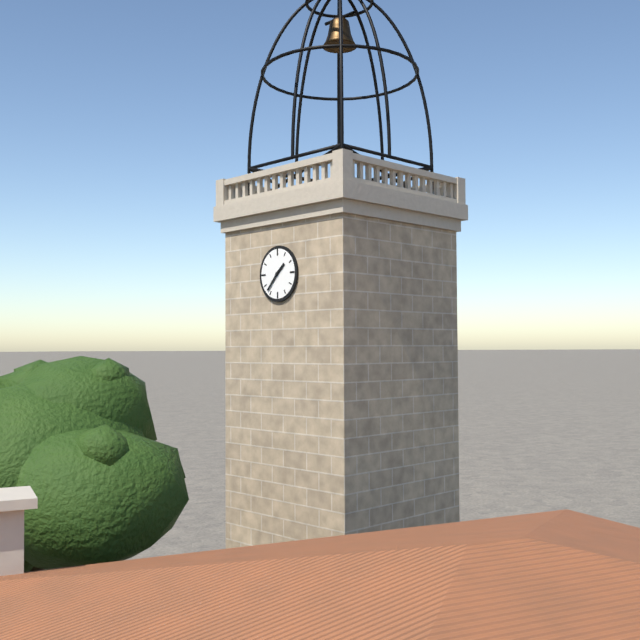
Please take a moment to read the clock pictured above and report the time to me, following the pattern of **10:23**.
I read **1:37**
